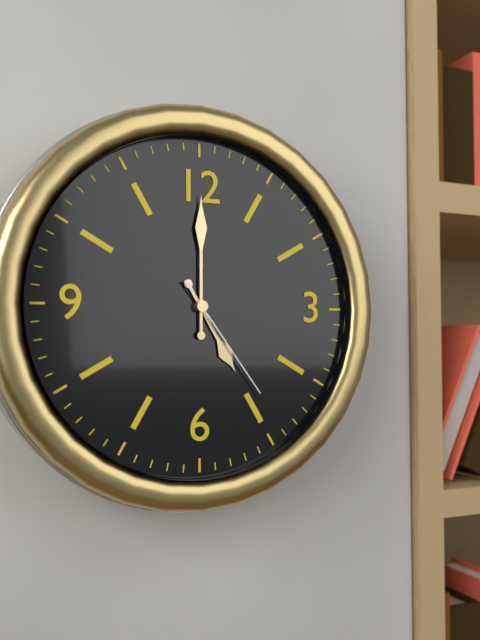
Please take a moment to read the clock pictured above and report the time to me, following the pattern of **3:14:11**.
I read **5:00:24**
